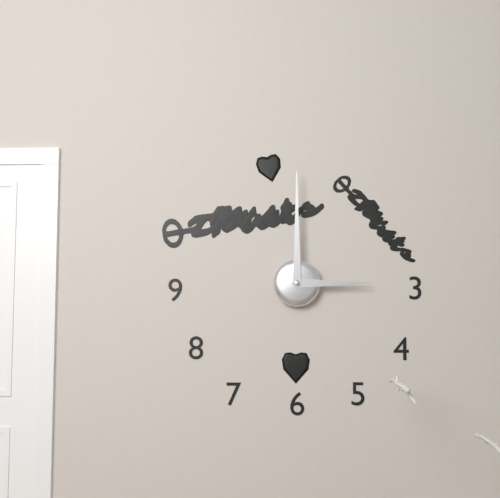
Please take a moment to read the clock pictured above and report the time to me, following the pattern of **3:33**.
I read **3:00**
